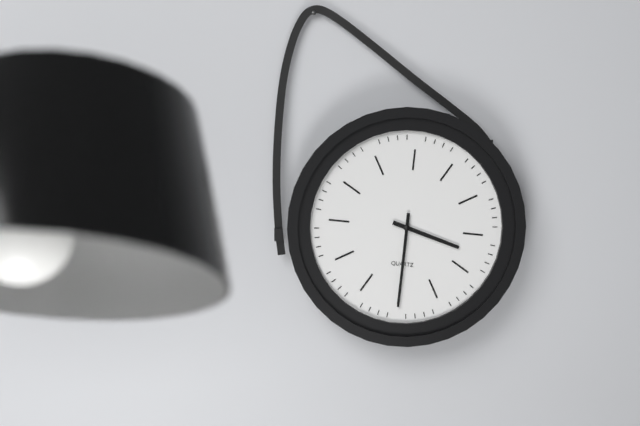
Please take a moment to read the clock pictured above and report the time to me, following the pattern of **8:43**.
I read **3:30**
